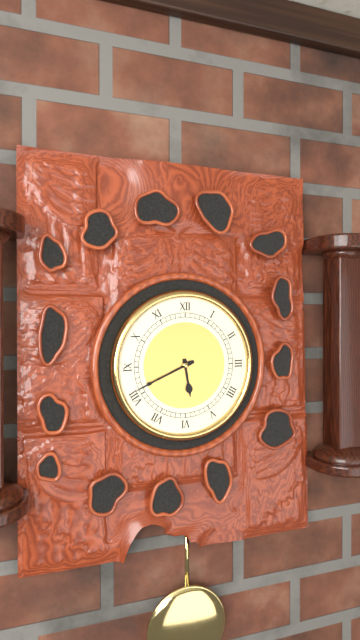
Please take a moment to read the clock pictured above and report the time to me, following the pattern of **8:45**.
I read **5:41**
